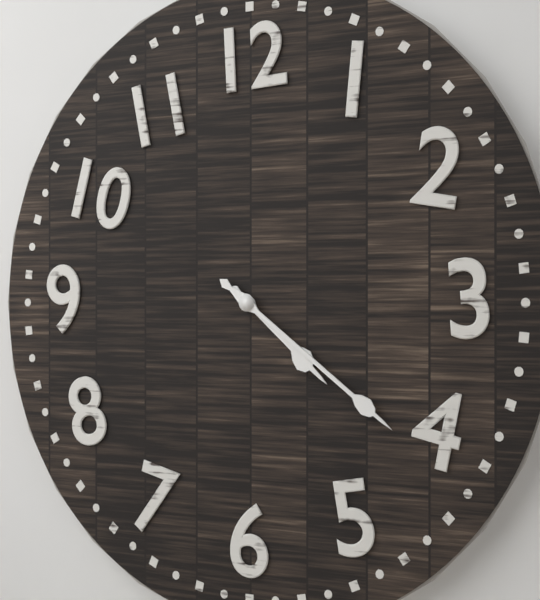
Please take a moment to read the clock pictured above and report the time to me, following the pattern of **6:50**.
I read **4:21**
